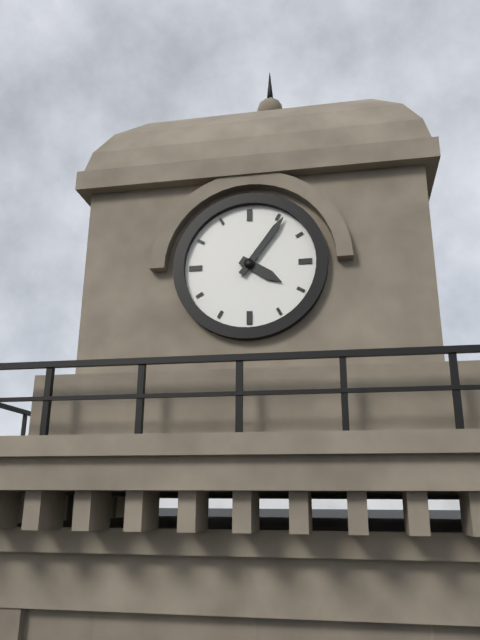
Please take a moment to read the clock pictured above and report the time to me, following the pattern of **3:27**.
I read **4:06**
